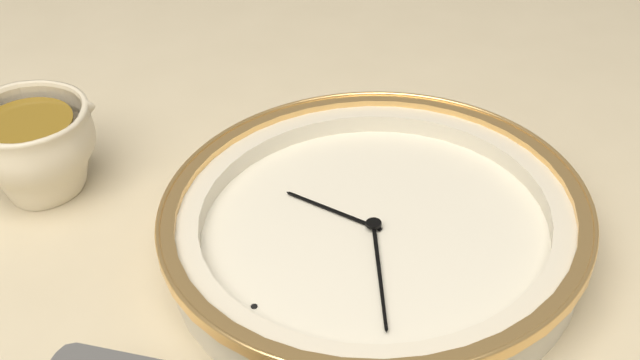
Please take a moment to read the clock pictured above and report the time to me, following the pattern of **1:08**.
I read **1:48**
